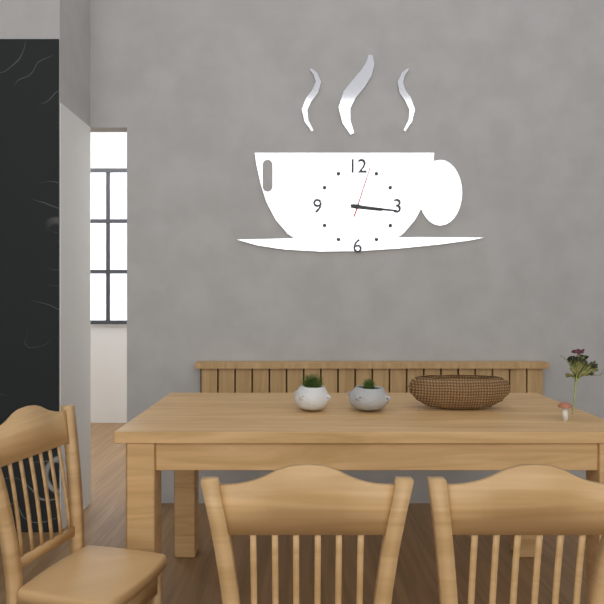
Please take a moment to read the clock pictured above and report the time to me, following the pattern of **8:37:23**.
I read **3:16:03**
